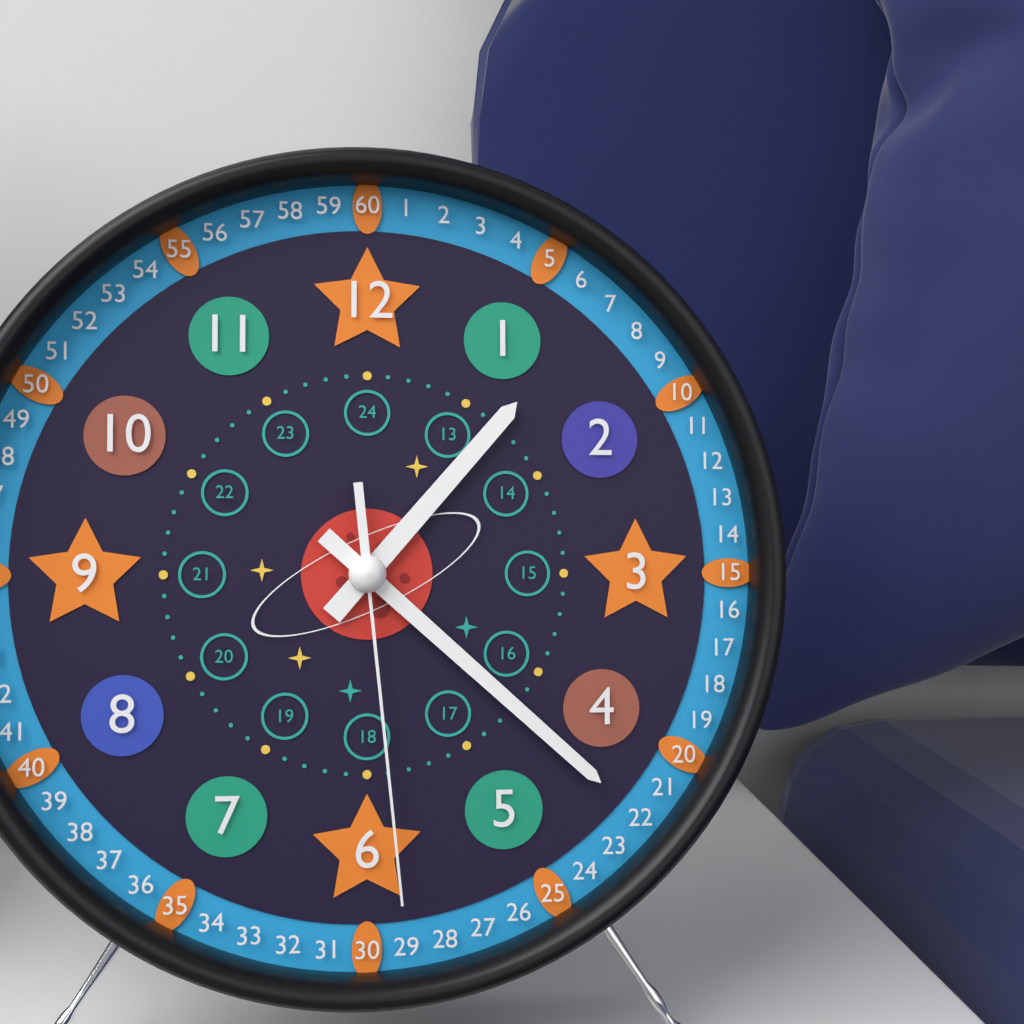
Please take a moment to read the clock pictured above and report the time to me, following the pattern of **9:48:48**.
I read **1:22:29**
